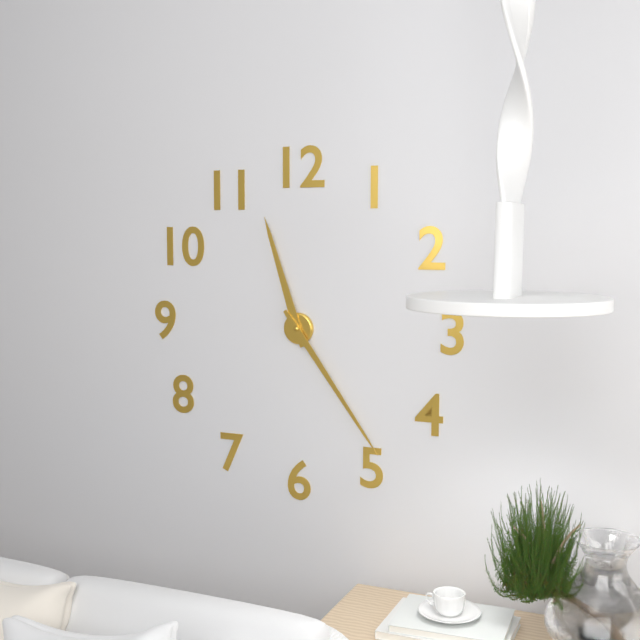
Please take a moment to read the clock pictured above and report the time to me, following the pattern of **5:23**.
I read **11:24**
